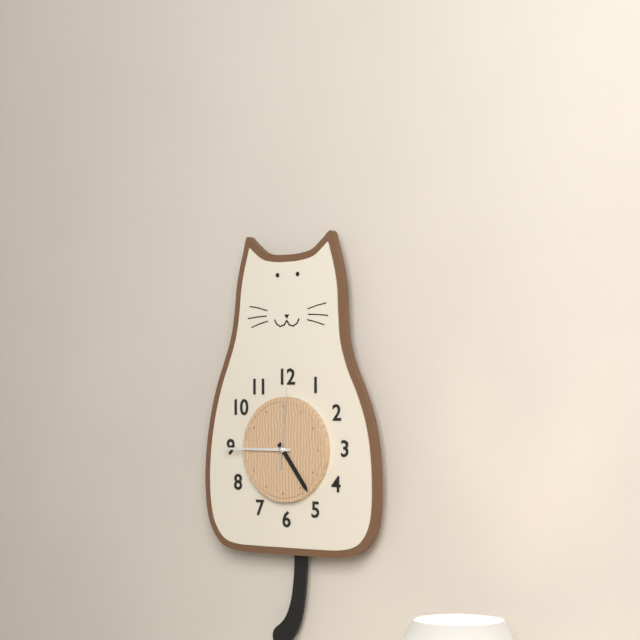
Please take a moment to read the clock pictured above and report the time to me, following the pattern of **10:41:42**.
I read **4:45:01**
